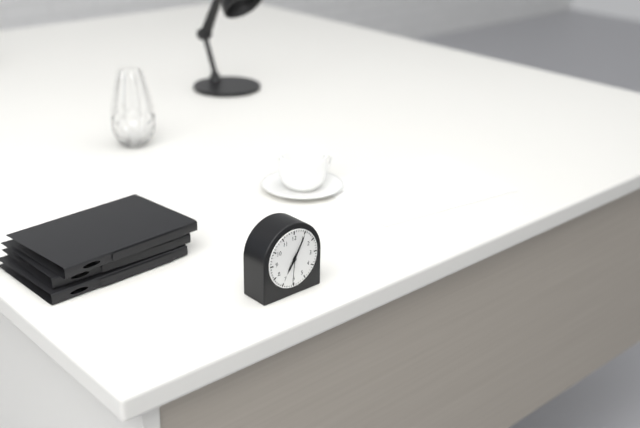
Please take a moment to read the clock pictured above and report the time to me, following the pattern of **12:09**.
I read **7:05**
